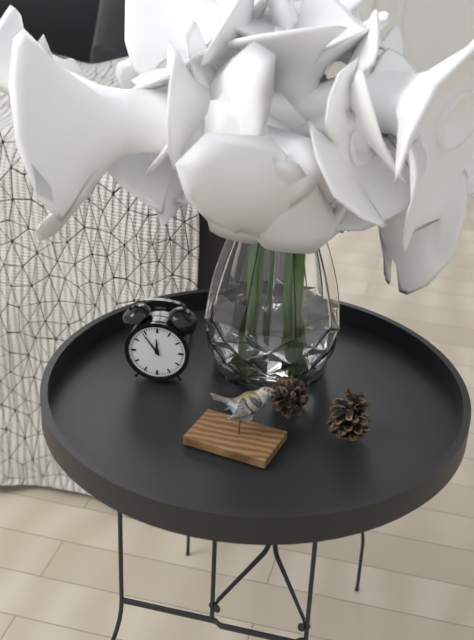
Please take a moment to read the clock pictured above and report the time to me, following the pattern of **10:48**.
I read **11:54**
